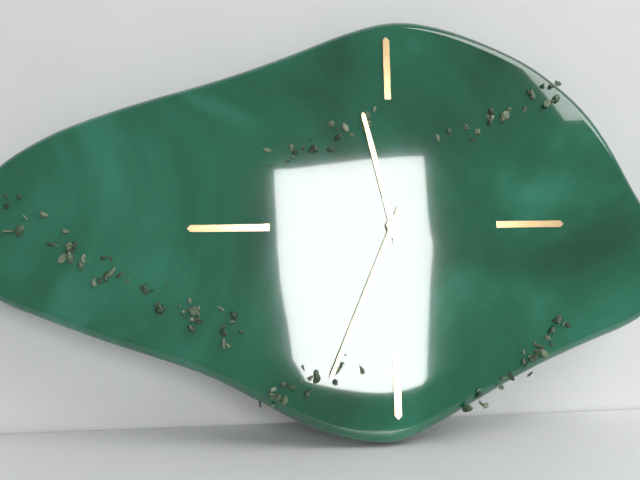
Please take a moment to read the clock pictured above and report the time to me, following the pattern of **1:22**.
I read **11:34**
